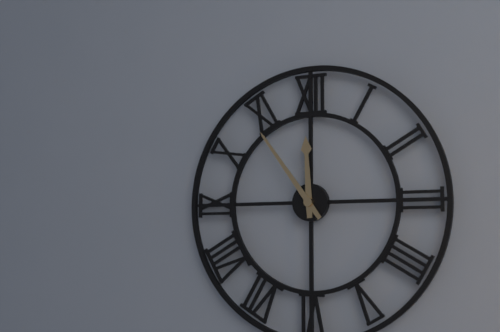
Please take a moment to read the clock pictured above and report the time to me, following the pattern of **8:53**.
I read **11:54**
